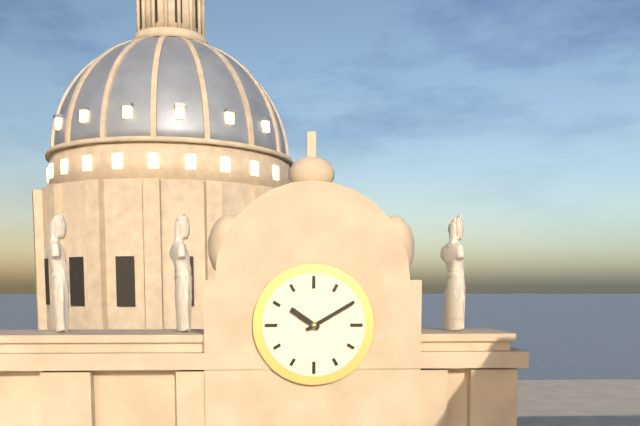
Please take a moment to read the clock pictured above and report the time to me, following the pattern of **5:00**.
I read **10:10**
